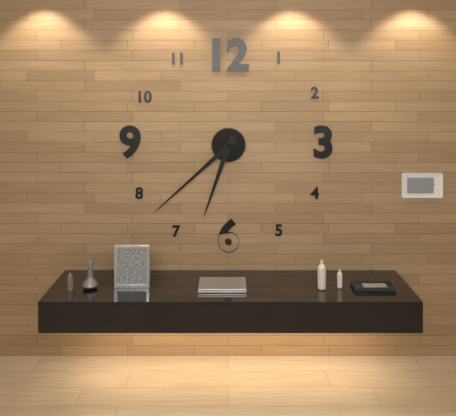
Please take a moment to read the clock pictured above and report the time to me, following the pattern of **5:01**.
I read **6:38**
